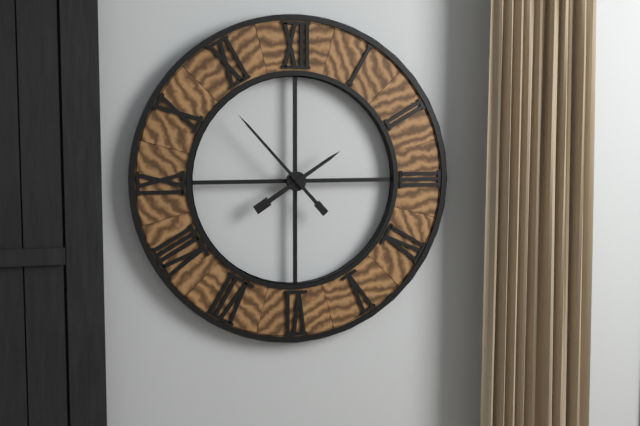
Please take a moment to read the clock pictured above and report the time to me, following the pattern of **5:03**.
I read **1:53**
